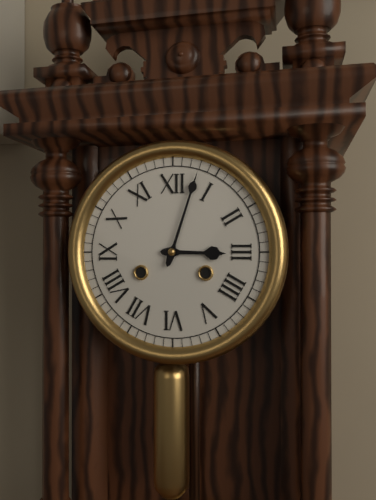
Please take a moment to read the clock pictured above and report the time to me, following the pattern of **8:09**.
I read **3:03**
